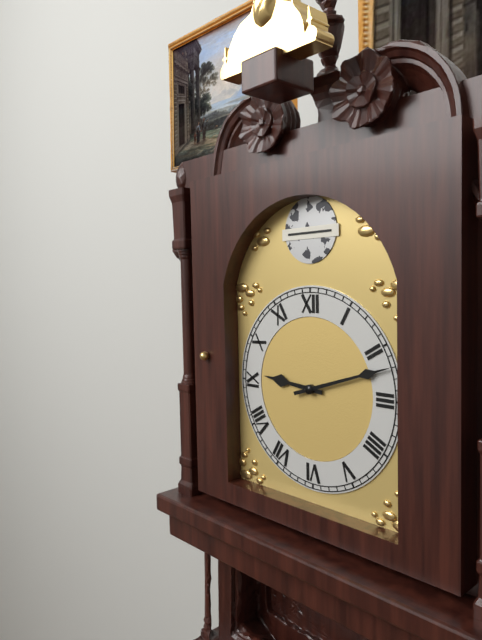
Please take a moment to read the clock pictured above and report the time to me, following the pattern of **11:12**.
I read **9:12**
